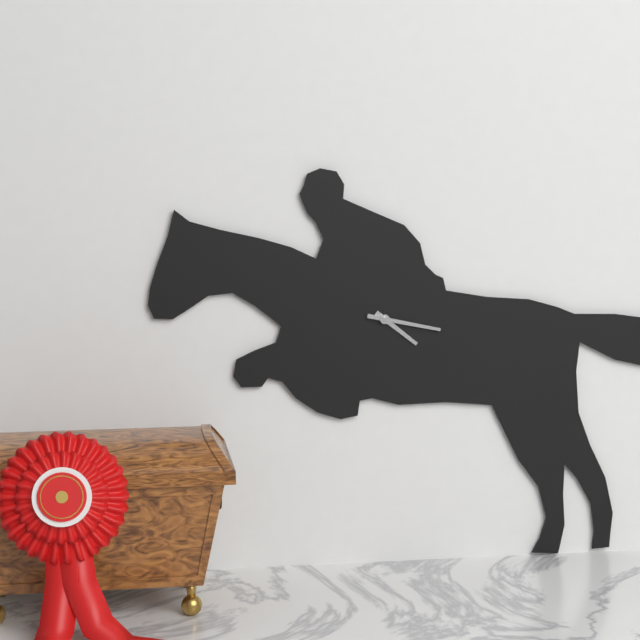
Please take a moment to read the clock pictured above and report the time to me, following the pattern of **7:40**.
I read **4:17**
